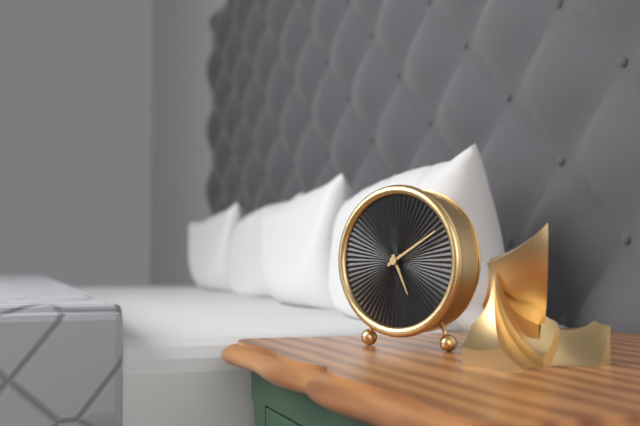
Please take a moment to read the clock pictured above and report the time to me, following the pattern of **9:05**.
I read **5:10**
